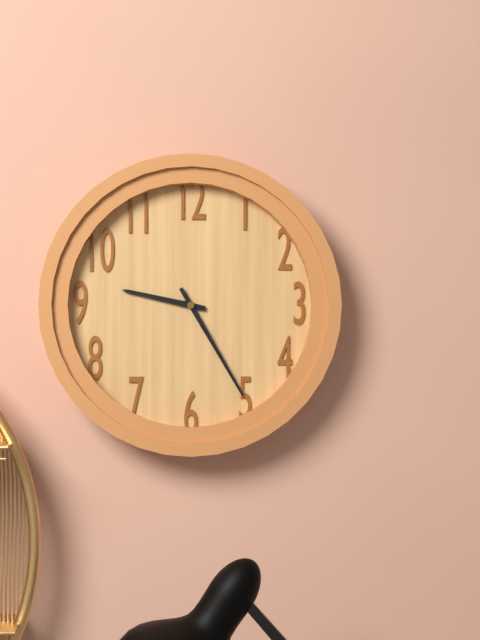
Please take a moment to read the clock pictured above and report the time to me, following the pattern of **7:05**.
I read **9:25**
